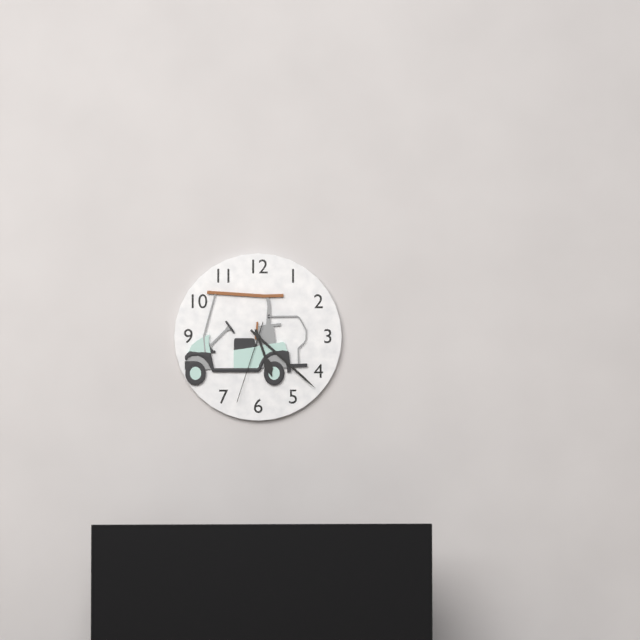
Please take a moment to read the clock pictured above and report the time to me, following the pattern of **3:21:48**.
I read **5:22:33**
